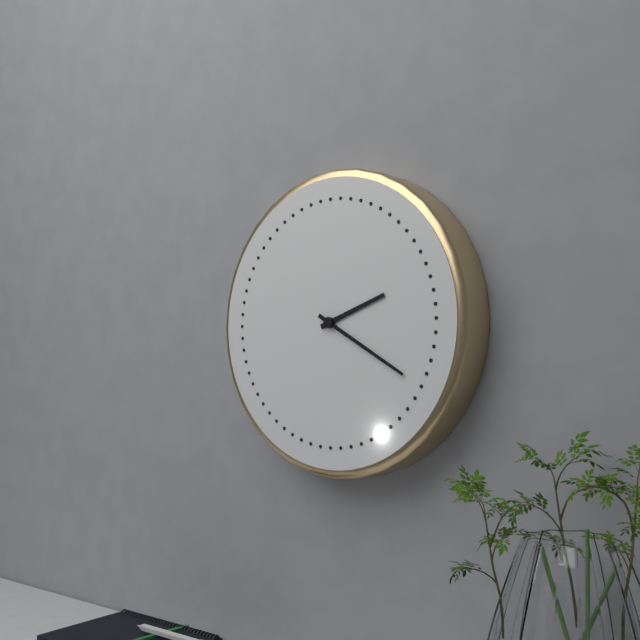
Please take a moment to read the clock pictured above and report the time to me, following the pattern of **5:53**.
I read **2:20**
